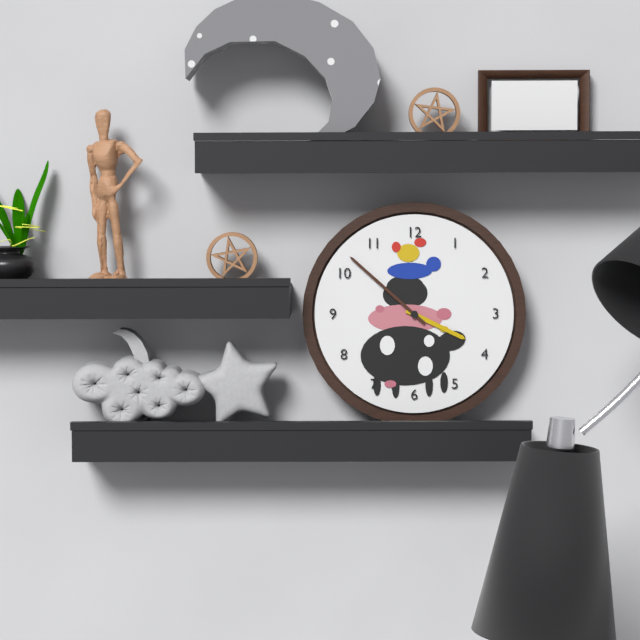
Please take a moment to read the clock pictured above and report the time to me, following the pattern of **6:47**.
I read **3:52**
